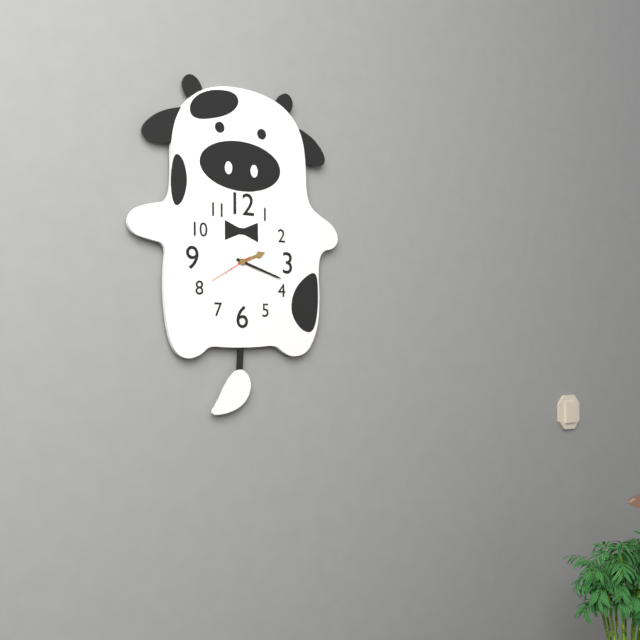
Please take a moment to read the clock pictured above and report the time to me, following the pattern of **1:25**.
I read **2:18**
